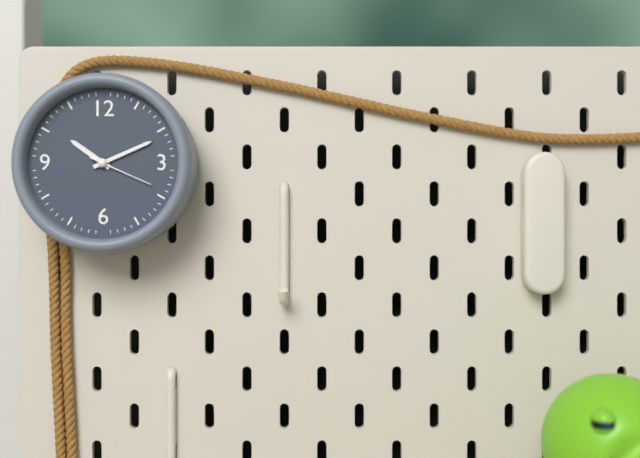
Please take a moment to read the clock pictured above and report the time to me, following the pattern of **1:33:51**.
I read **10:11:19**
